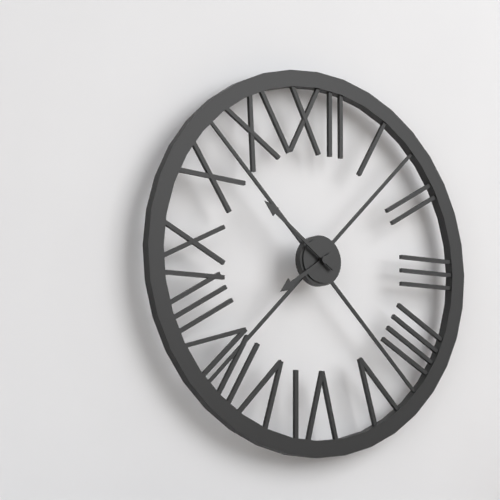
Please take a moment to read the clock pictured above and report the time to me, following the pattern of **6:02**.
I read **7:51**
